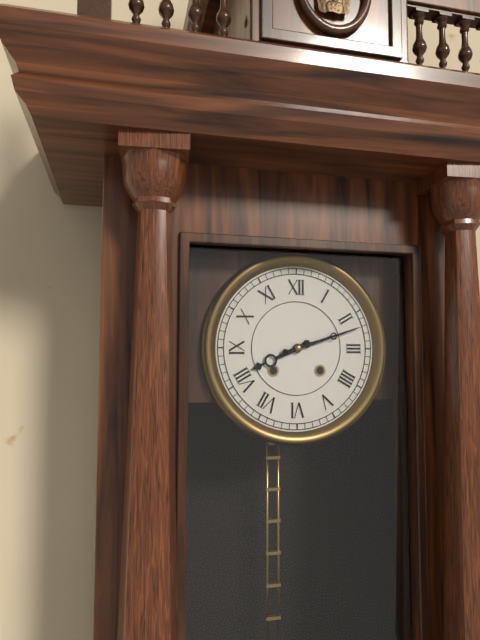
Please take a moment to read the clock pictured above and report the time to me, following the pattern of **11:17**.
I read **8:12**
